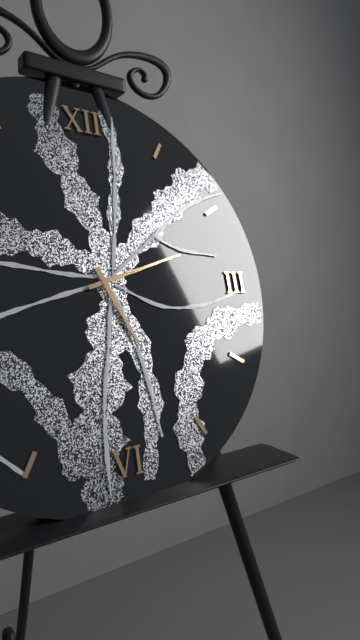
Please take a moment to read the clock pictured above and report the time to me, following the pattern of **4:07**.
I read **5:12**
